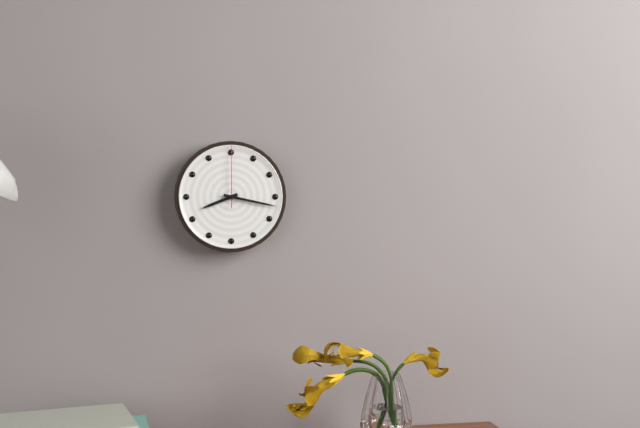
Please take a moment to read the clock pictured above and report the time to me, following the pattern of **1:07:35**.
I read **8:17:00**
